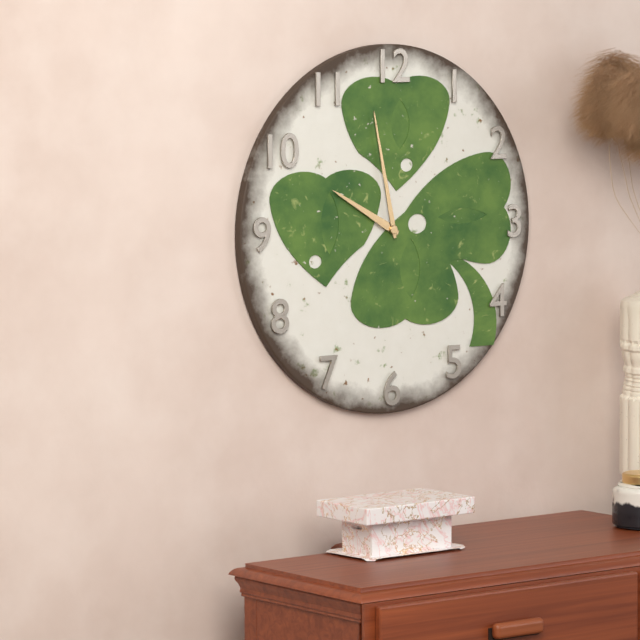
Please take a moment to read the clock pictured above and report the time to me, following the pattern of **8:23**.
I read **9:58**
